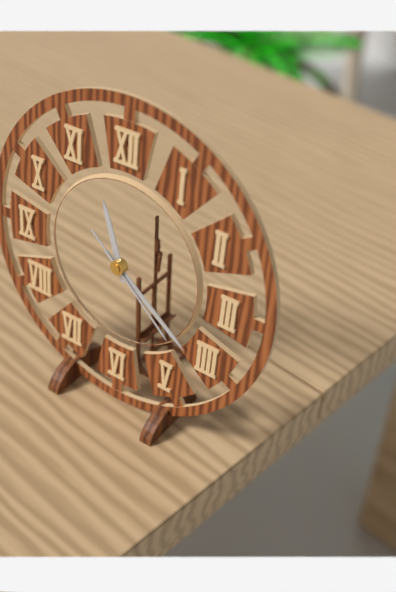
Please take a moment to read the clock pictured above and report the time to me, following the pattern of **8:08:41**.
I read **11:21:22**
